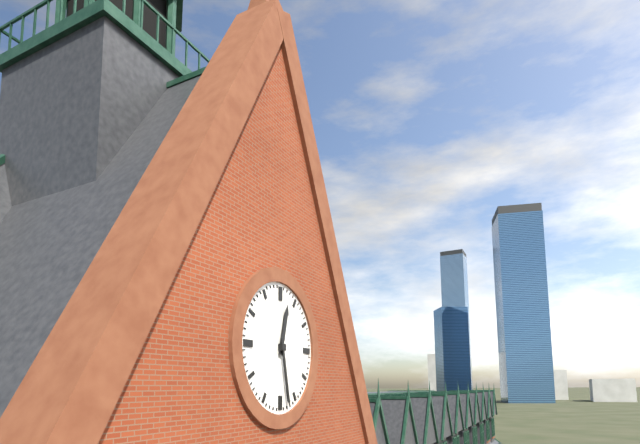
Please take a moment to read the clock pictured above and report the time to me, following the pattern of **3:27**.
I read **12:28**
